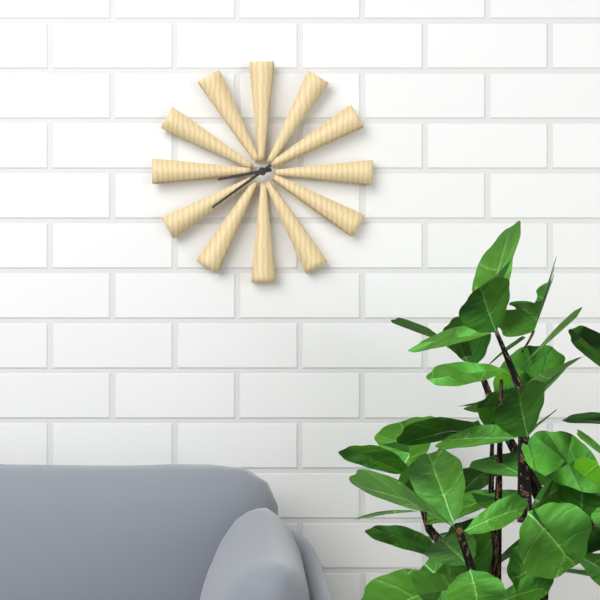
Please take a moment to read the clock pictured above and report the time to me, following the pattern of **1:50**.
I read **8:39**
